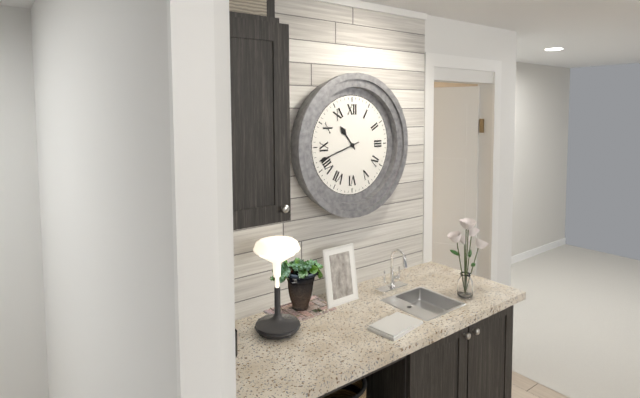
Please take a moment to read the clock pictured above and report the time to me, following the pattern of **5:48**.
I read **10:42**
